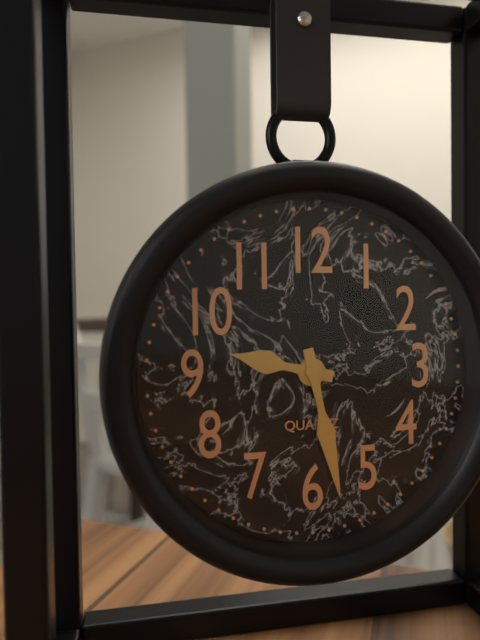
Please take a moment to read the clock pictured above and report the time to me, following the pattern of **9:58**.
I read **9:28**
